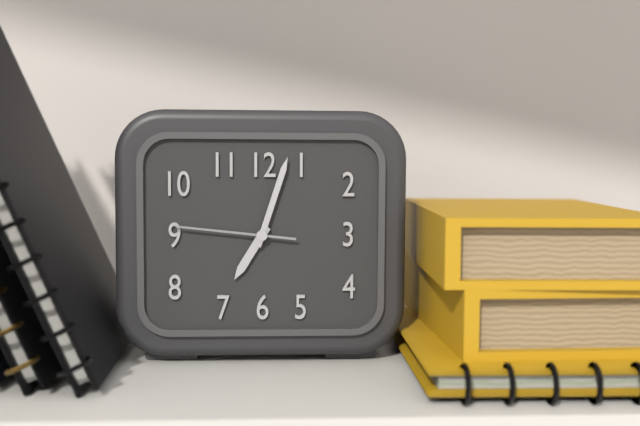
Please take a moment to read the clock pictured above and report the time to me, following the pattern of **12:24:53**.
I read **7:03:46**
